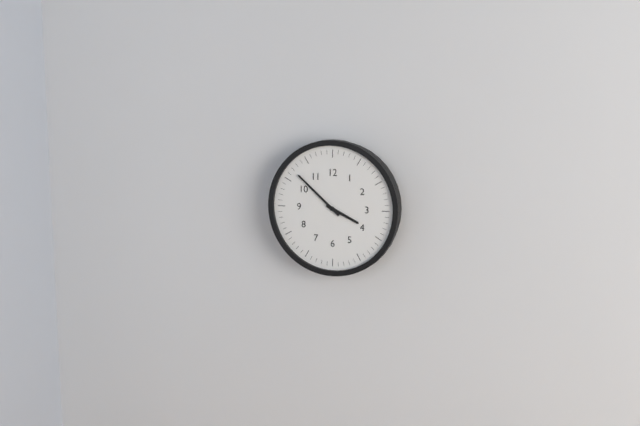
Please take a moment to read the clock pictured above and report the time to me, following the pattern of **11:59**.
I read **3:52**
